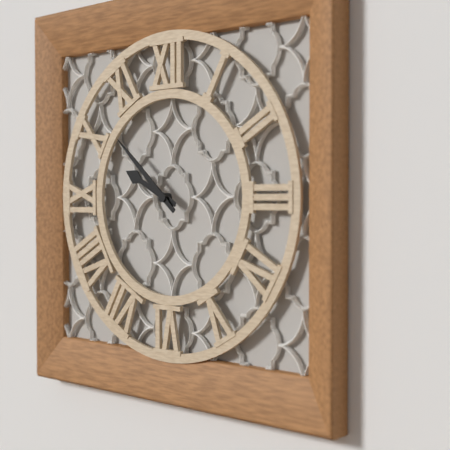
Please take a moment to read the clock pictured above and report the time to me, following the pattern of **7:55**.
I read **9:52**
